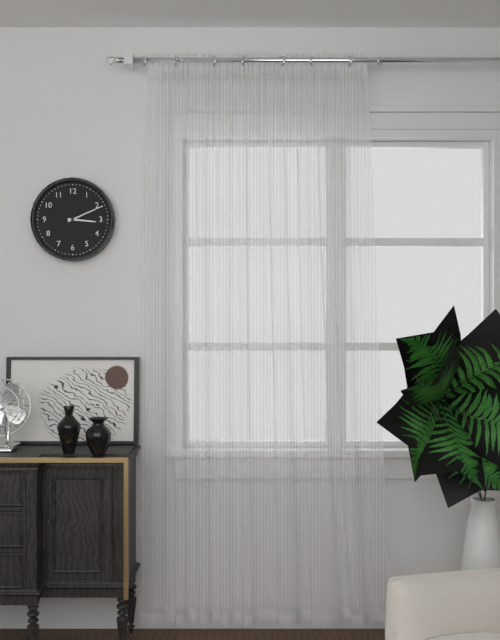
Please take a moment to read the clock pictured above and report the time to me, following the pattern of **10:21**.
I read **3:11**
